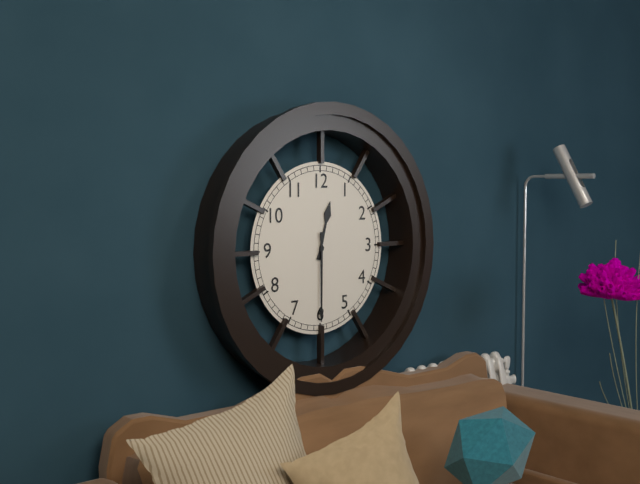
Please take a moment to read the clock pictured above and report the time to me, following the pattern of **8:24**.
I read **12:30**
